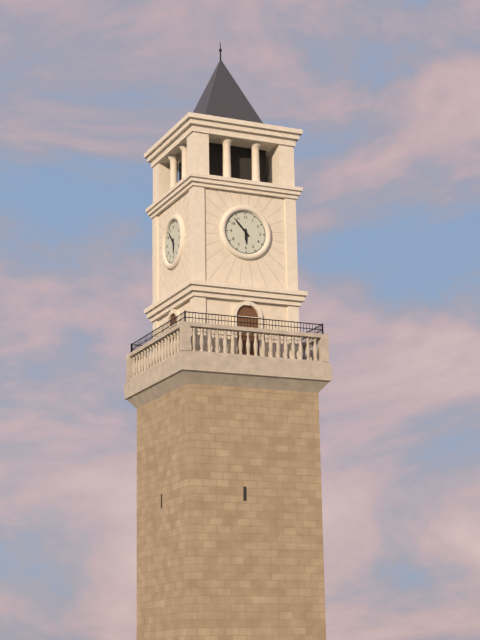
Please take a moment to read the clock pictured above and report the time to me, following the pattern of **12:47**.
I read **5:53**
